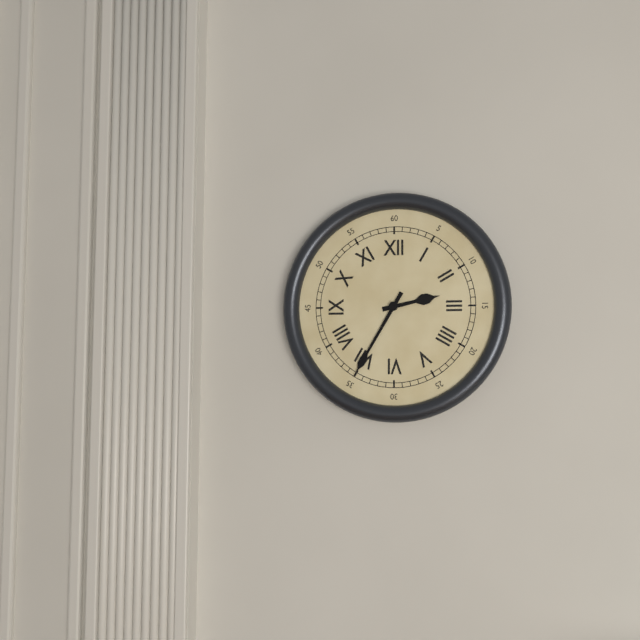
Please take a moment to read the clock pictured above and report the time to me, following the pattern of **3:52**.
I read **2:35**
